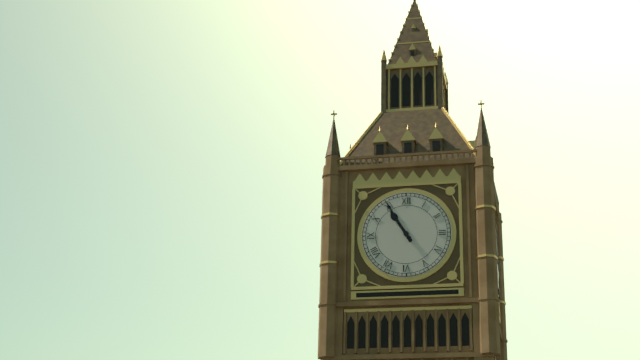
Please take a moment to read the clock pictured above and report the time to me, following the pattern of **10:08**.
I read **10:55**
